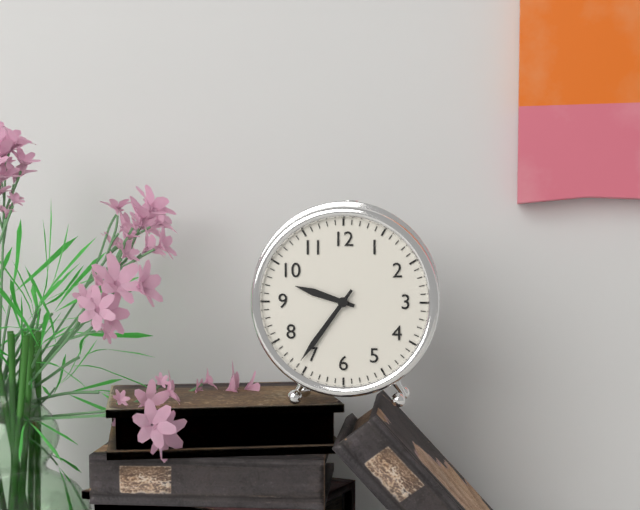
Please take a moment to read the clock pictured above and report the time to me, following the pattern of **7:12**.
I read **9:36**
